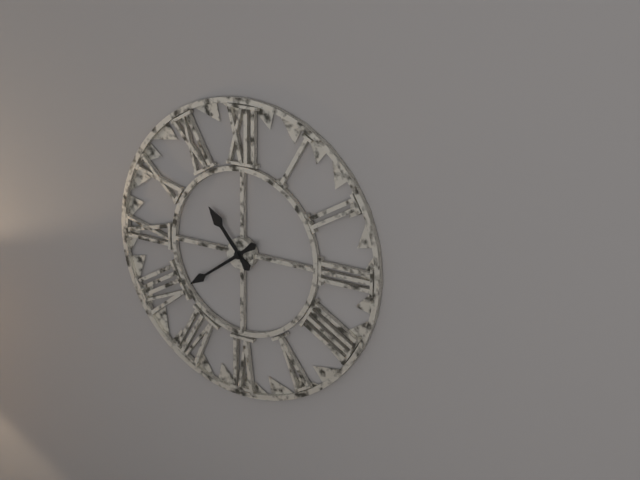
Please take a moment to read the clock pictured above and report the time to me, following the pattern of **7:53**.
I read **10:39**
